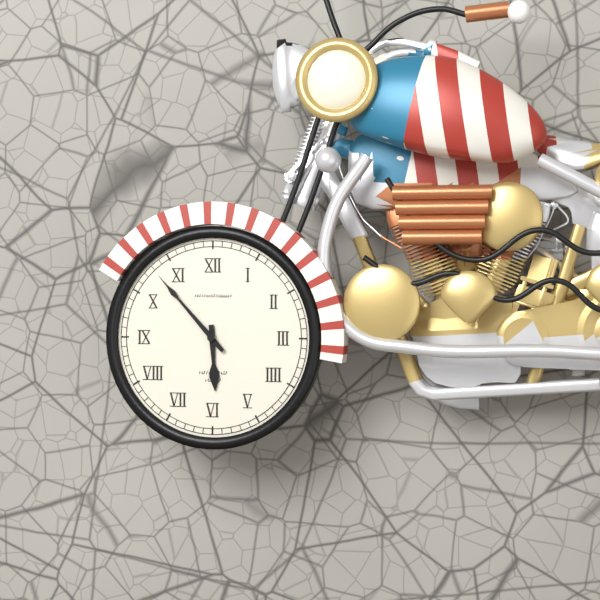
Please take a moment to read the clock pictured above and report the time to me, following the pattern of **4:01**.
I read **5:53**
